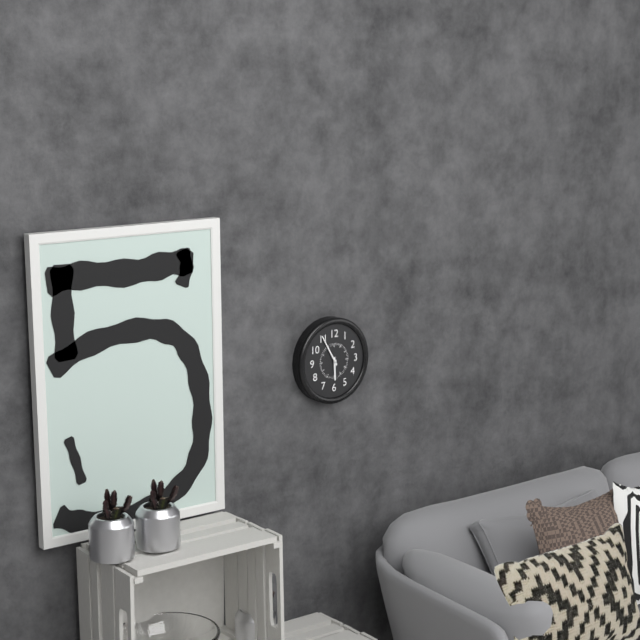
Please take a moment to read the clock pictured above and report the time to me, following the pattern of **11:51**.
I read **5:55**
